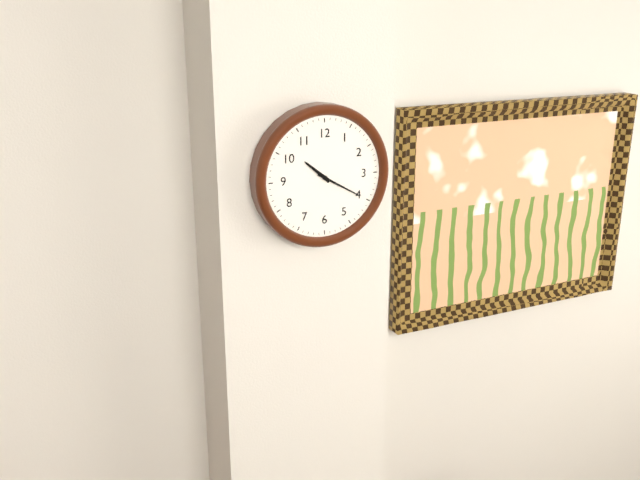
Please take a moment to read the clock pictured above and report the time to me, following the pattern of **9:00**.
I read **10:20**
